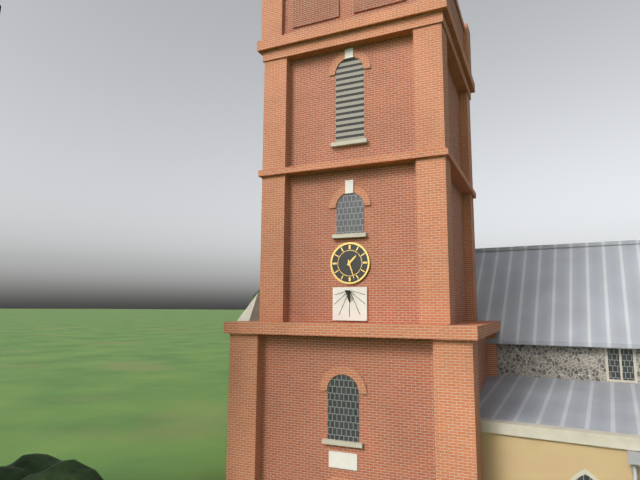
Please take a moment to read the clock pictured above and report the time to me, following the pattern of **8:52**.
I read **1:27**
